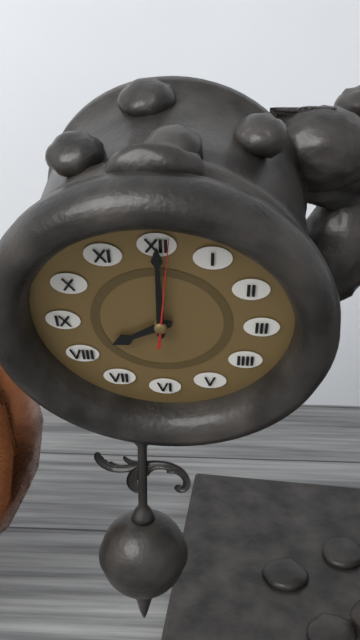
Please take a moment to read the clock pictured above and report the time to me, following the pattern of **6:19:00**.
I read **8:00:01**
